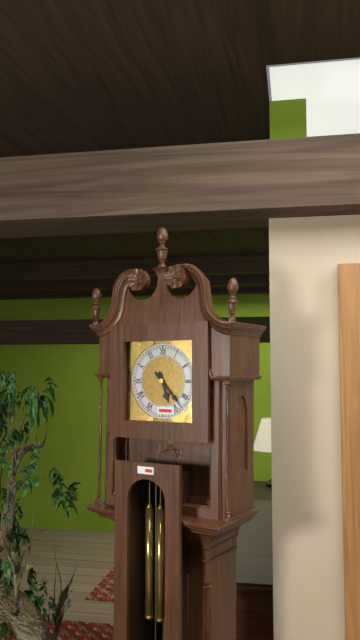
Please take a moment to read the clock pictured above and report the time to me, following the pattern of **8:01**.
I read **5:23**
